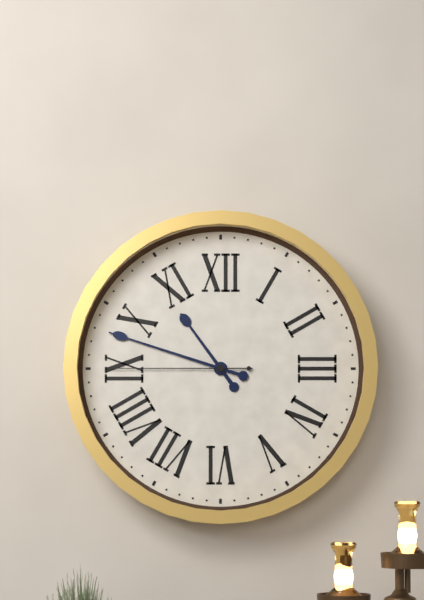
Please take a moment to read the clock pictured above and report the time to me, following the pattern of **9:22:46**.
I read **10:48:45**
